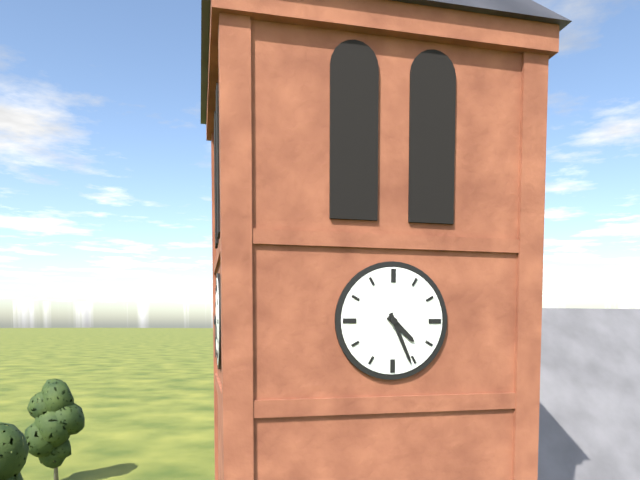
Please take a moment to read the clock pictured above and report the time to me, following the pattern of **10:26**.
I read **4:26**
